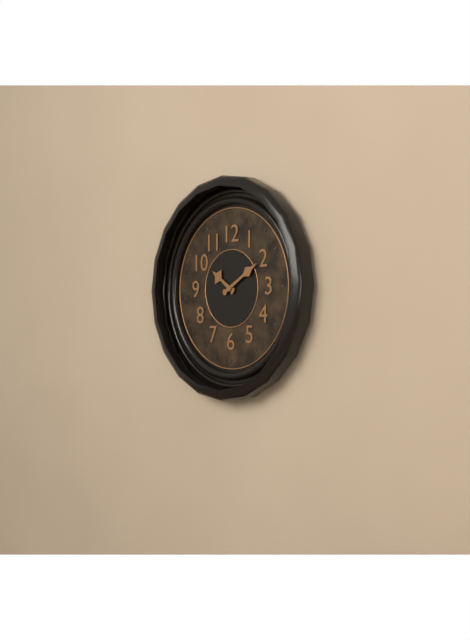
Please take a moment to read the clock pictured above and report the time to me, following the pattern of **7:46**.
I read **10:10**
